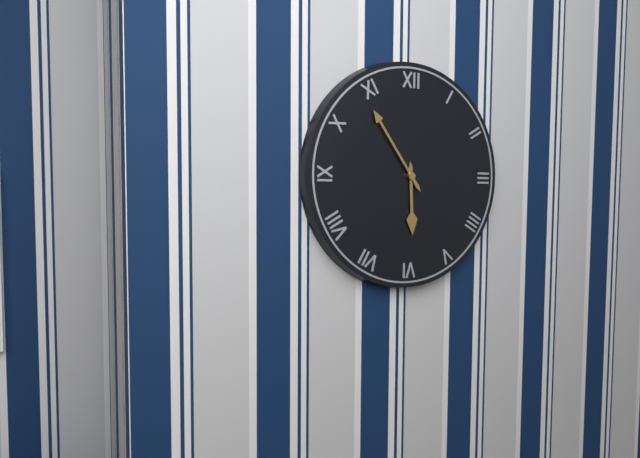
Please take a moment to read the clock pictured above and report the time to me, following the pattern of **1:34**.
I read **5:54**
